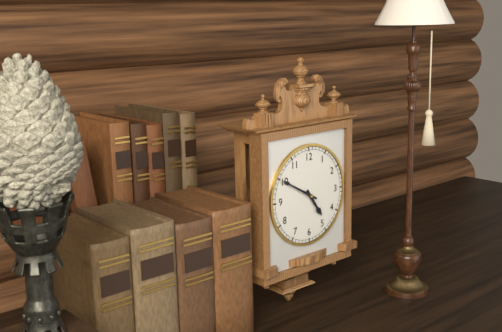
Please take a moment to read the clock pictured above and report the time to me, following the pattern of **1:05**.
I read **4:50**
